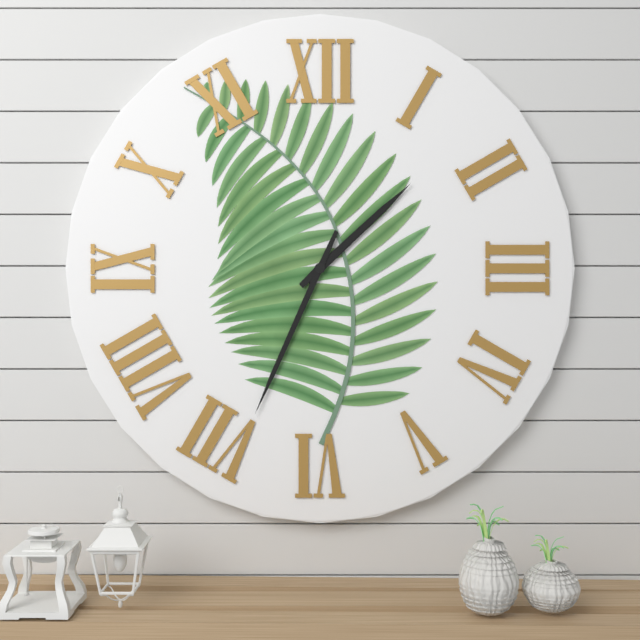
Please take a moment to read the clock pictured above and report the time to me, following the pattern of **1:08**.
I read **1:34**
